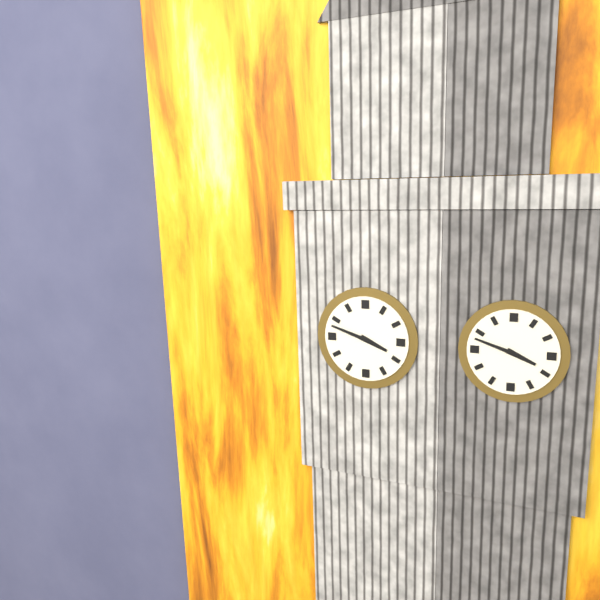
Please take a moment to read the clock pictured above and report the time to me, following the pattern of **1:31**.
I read **3:48**
